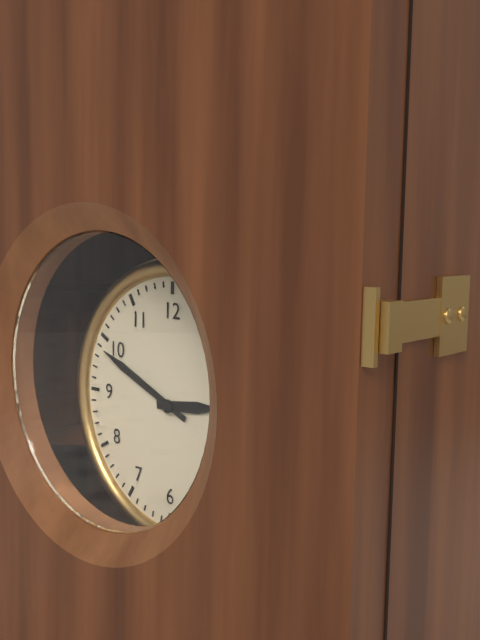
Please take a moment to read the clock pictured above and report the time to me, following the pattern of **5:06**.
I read **2:49**
